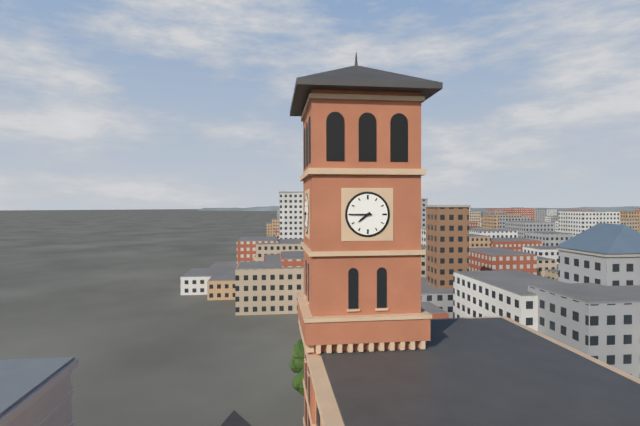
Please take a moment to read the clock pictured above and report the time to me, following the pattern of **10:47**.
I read **7:45**
